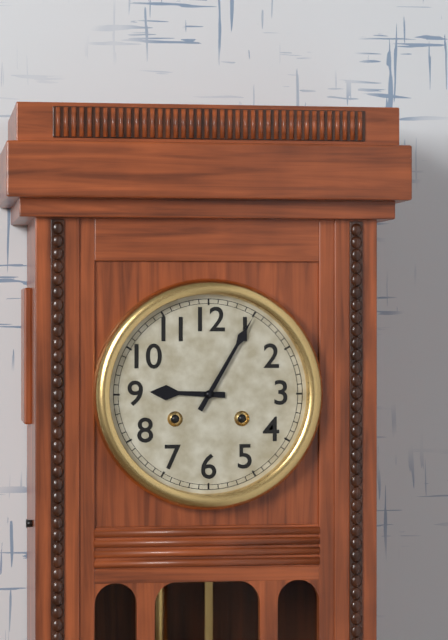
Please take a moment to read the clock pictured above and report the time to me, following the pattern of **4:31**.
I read **9:05**
